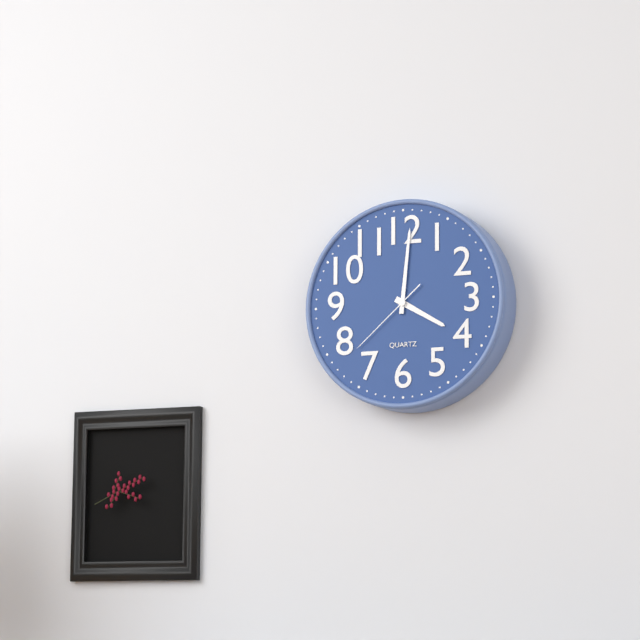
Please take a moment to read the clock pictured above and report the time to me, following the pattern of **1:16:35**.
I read **4:01:38**
